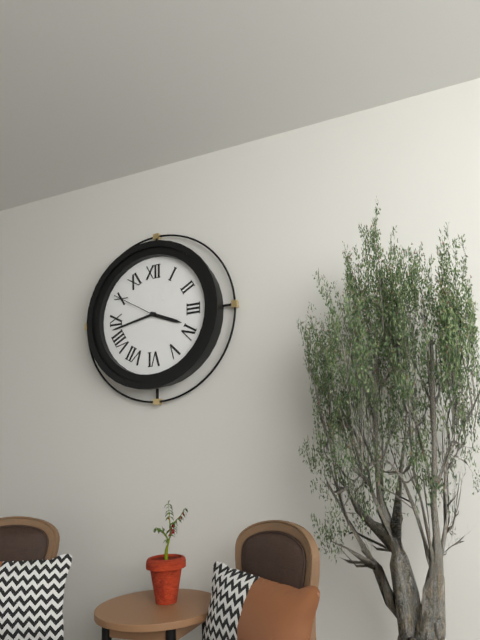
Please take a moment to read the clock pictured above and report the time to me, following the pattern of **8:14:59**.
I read **3:43:50**
